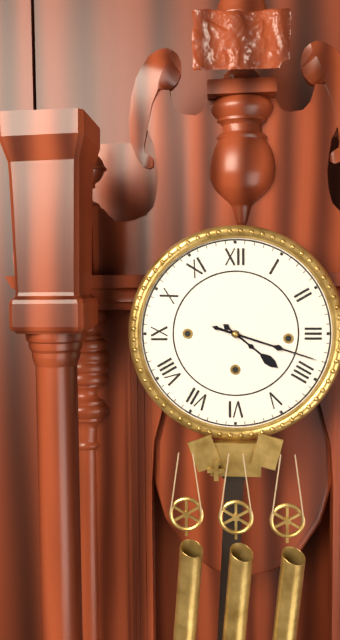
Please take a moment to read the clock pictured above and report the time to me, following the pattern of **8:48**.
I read **4:18**
